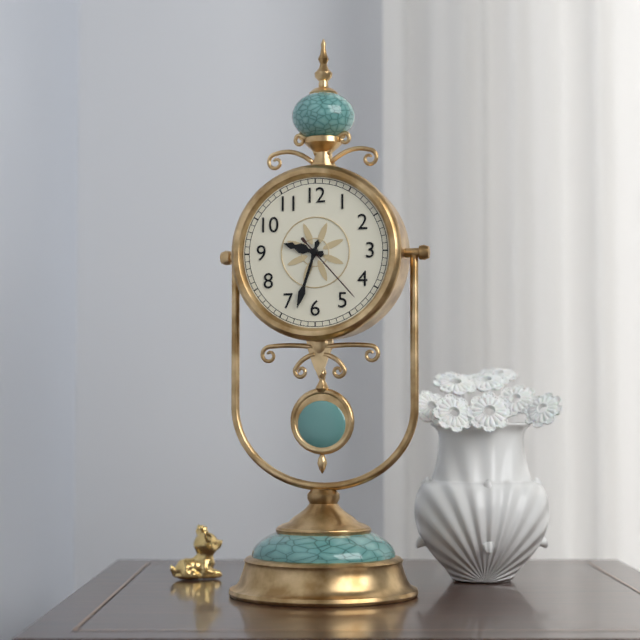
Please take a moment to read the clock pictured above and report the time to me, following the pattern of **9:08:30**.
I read **9:33:23**
